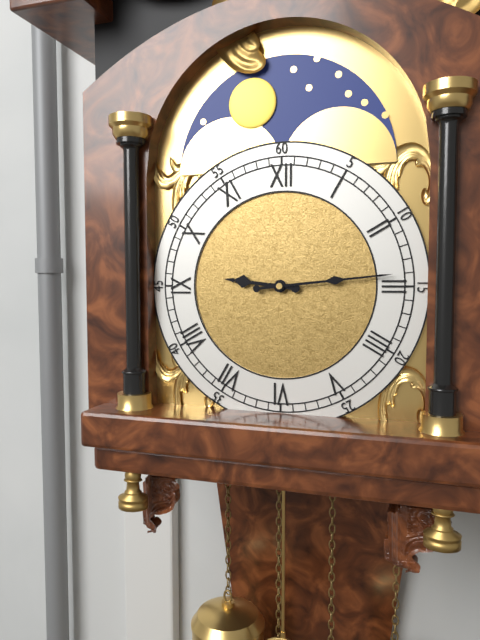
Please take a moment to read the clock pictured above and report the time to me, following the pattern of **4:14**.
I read **9:14**
